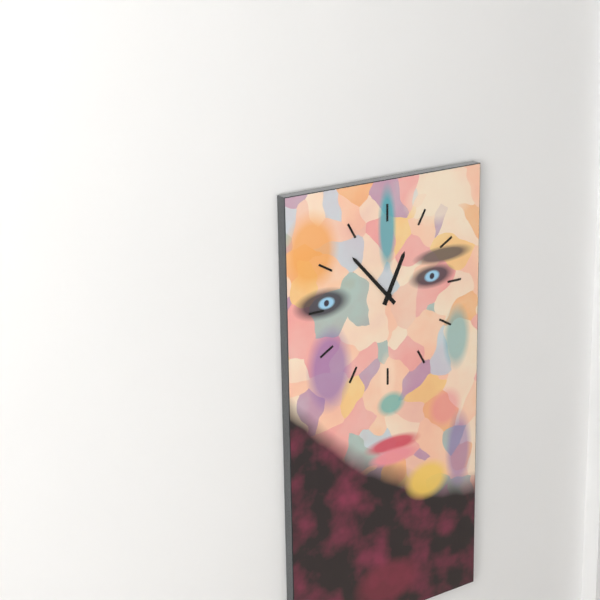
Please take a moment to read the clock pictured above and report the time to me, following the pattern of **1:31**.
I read **12:53**
